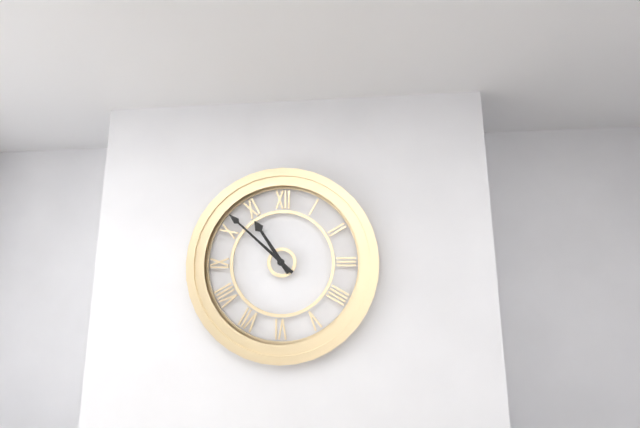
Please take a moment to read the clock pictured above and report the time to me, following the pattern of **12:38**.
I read **10:52**
